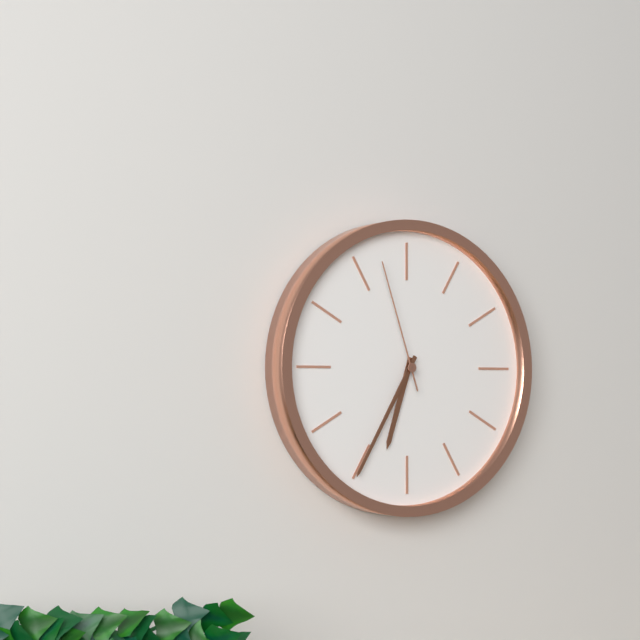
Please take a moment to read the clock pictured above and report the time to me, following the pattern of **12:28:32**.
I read **6:35:57**
